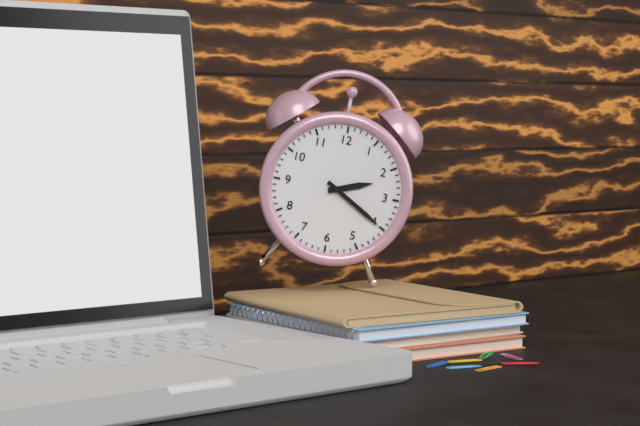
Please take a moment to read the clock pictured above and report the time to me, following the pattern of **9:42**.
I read **2:20**
